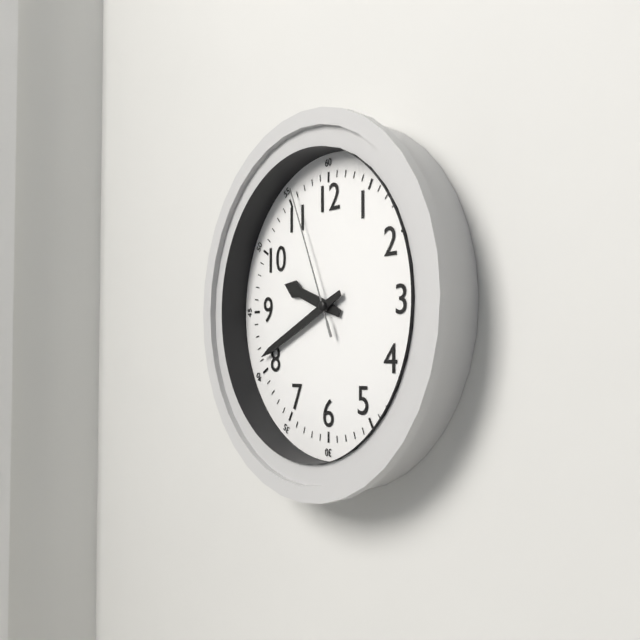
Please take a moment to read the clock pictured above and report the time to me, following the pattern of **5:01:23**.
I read **9:41:56**
